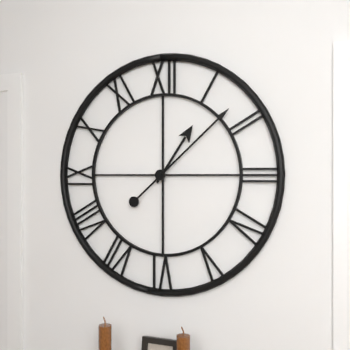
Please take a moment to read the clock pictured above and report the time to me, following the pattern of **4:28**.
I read **1:08**
